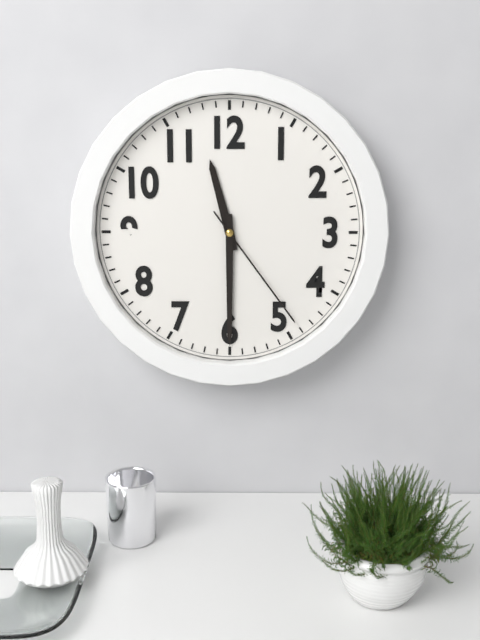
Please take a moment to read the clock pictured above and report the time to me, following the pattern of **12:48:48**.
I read **11:30:24**
